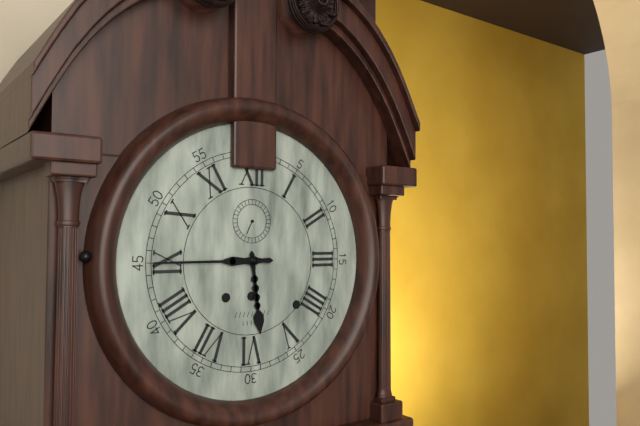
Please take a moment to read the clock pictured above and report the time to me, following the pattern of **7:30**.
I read **5:45**
